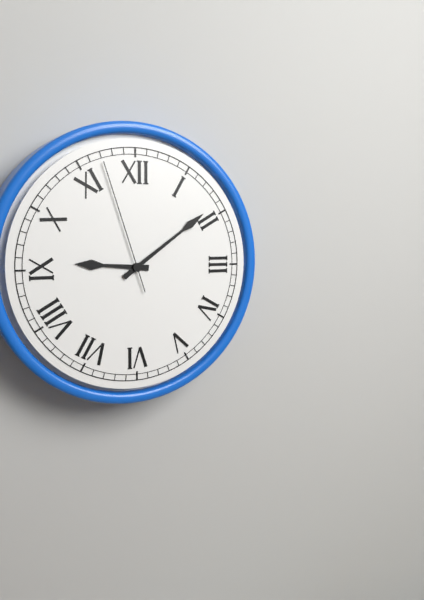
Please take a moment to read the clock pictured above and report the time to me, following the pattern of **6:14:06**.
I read **9:09:57**
